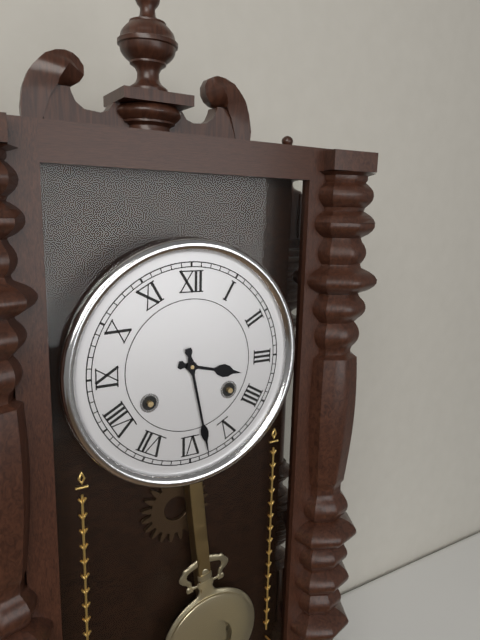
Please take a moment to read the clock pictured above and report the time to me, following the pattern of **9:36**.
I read **3:28**
